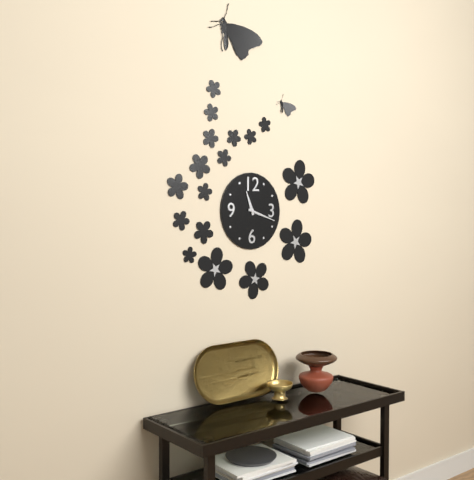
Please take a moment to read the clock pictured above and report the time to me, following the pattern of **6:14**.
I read **11:18**
